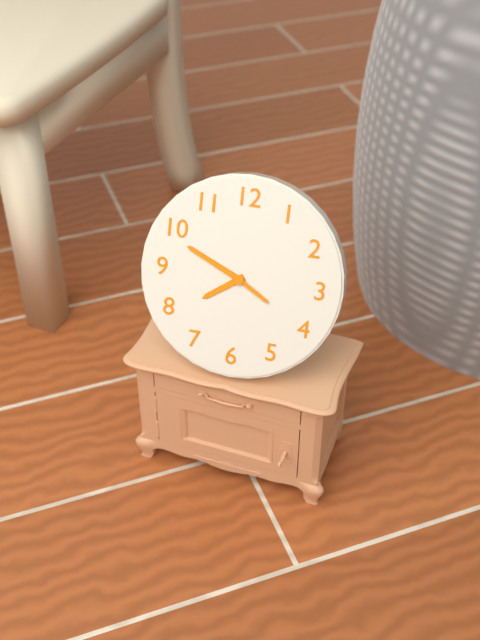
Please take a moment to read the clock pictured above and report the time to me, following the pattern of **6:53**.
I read **7:49**
